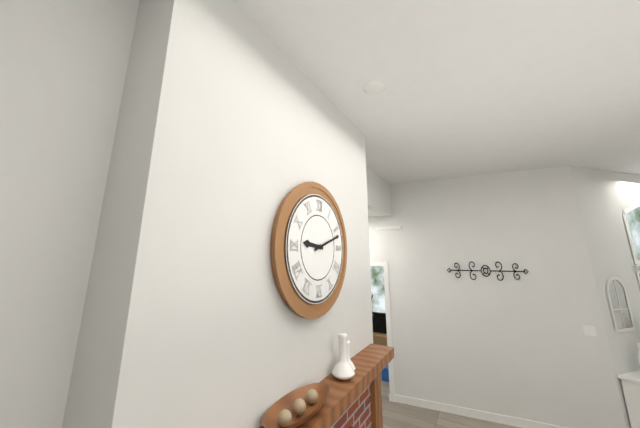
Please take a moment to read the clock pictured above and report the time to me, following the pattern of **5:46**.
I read **9:12**
